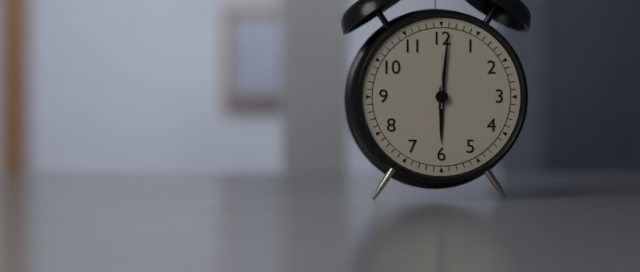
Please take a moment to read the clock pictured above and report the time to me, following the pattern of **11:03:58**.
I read **6:01:00**
